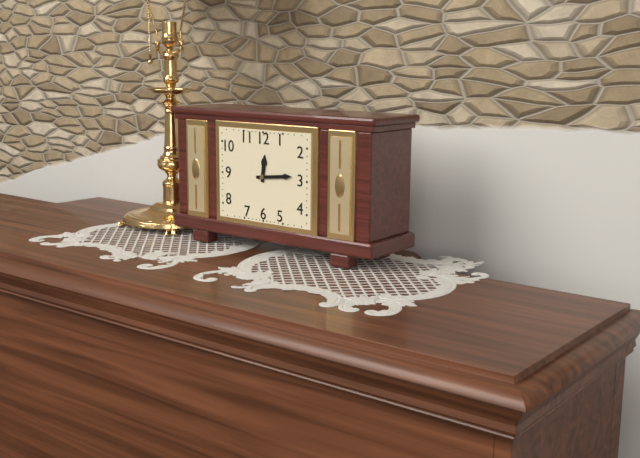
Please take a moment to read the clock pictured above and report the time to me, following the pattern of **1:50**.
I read **12:14**
